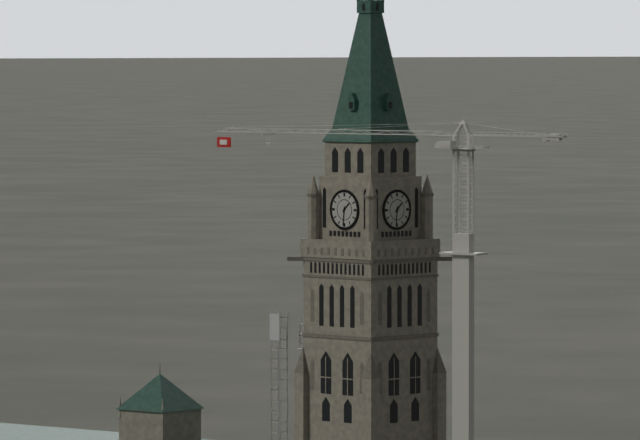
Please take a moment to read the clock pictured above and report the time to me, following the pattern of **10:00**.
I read **1:31**
